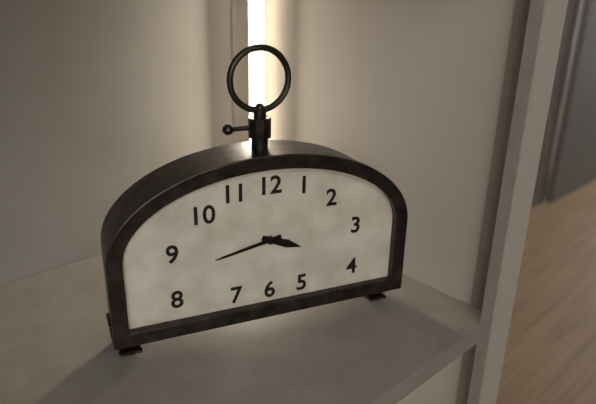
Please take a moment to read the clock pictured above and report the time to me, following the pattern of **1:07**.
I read **3:43**
